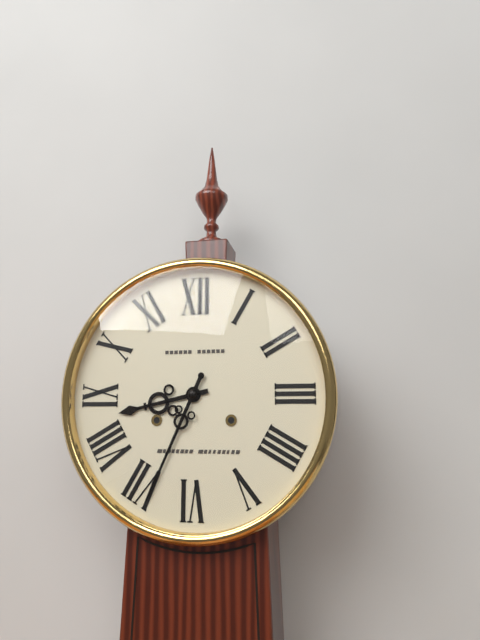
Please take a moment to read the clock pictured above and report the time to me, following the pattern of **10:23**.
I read **8:34**
